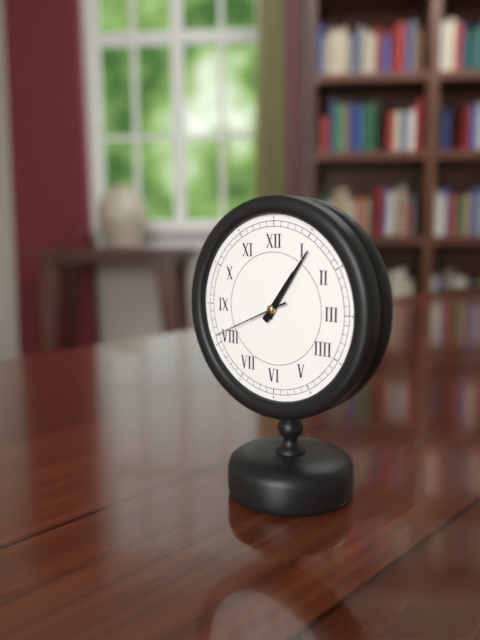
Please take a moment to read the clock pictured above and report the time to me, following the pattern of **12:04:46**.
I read **1:06:41**
